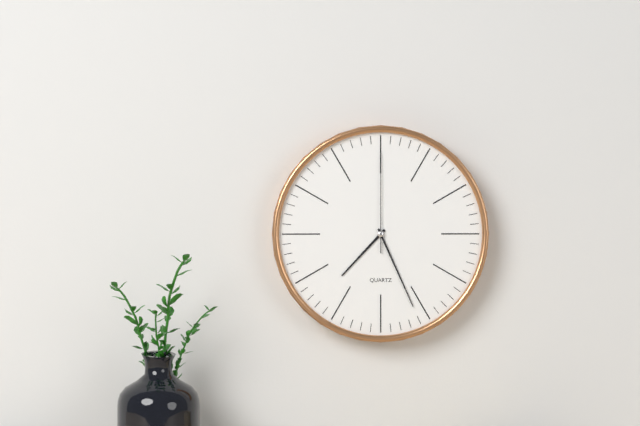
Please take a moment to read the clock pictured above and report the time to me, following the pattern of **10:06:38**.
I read **7:26:00**
